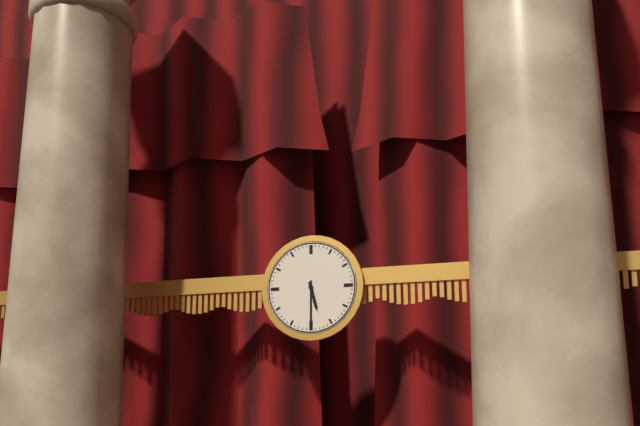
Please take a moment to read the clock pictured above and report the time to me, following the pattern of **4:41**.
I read **5:30**
